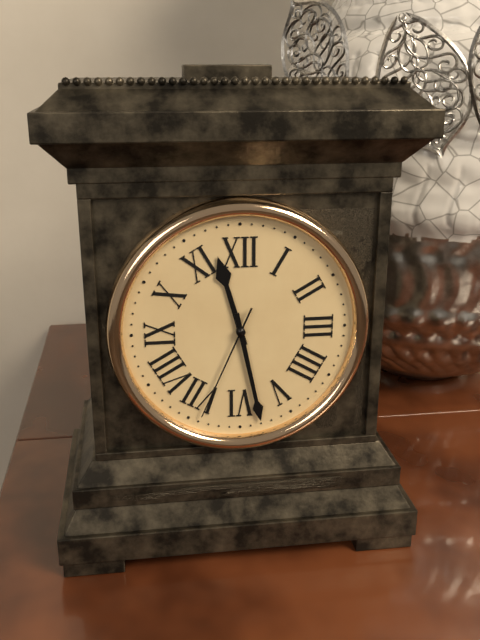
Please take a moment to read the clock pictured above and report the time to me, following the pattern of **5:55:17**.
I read **11:28:34**
